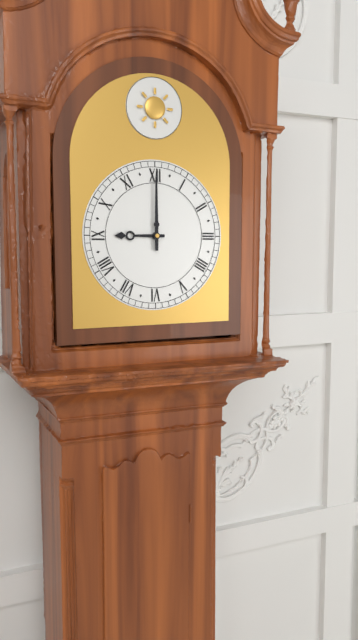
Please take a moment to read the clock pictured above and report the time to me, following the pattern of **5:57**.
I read **9:00**
